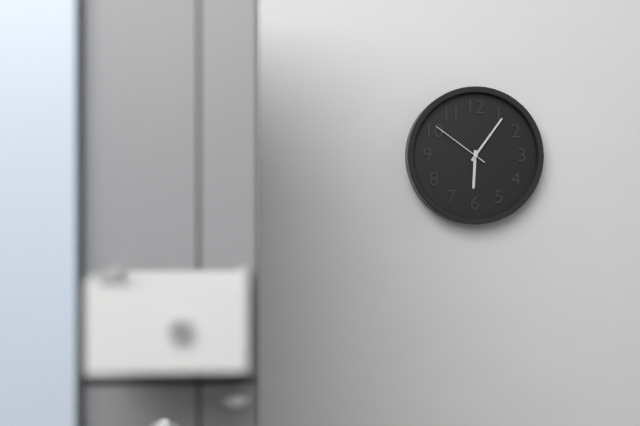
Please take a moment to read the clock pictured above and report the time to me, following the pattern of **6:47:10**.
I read **6:06:51**
